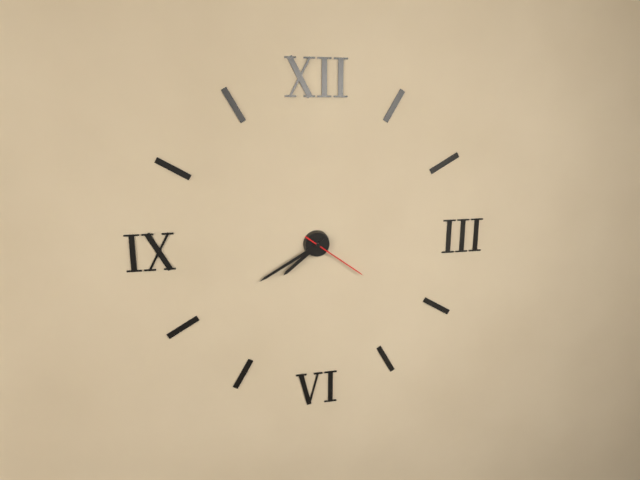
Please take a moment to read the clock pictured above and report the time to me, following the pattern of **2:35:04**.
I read **7:40:21**
